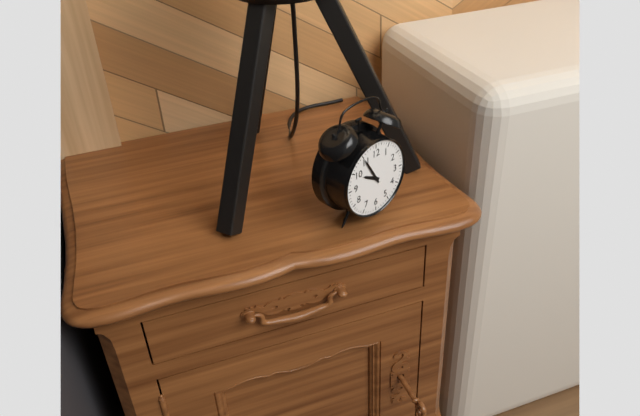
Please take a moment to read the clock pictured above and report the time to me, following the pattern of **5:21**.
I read **9:55**
